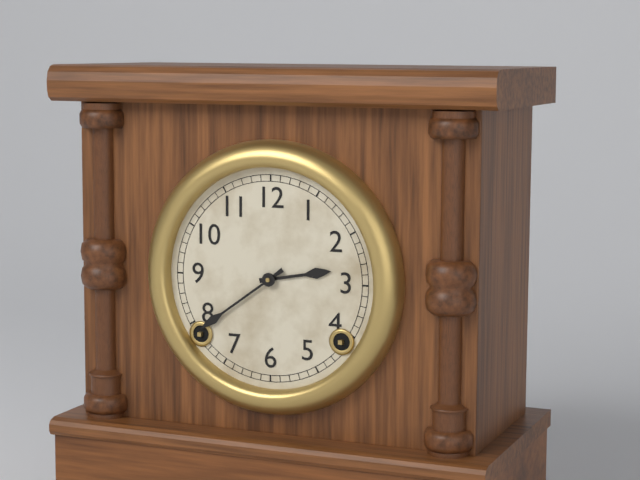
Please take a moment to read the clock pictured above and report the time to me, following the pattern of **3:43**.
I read **2:39**
